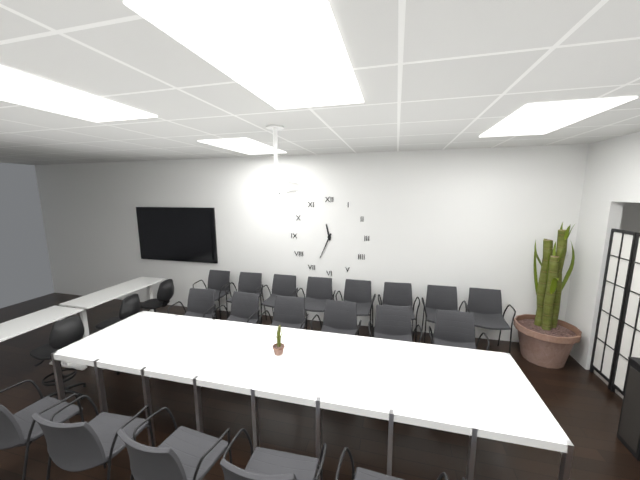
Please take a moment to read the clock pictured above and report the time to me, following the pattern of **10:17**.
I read **11:34**
